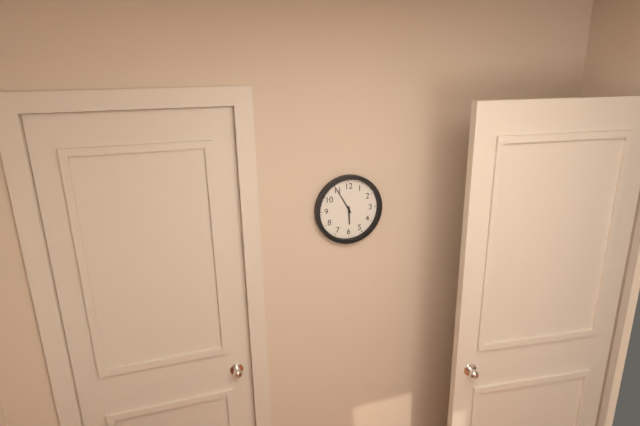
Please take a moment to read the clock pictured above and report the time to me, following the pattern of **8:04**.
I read **5:55**
